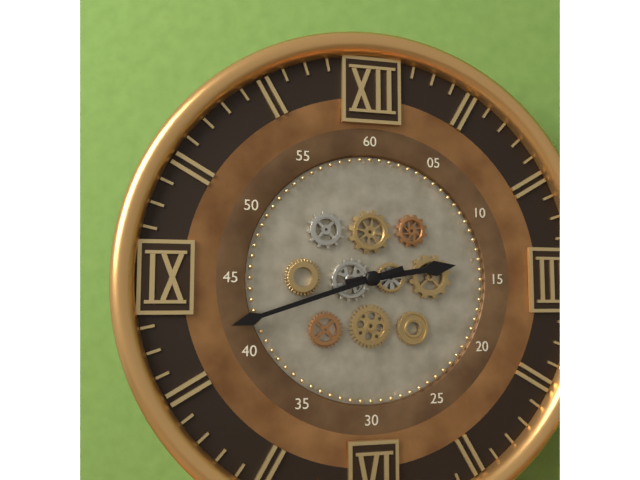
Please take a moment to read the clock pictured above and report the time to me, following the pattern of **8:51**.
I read **2:42**
